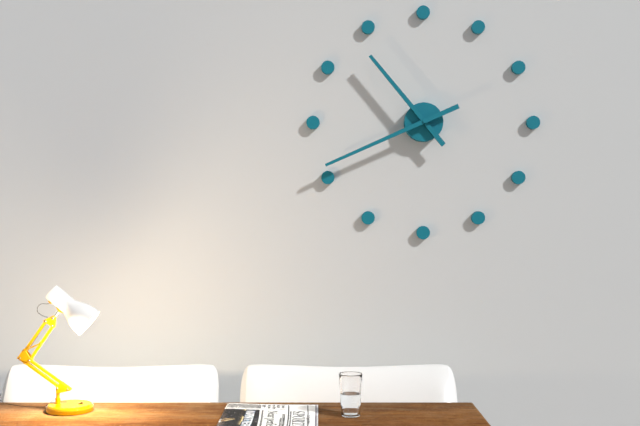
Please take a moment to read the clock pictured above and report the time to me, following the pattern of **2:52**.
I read **10:41**
